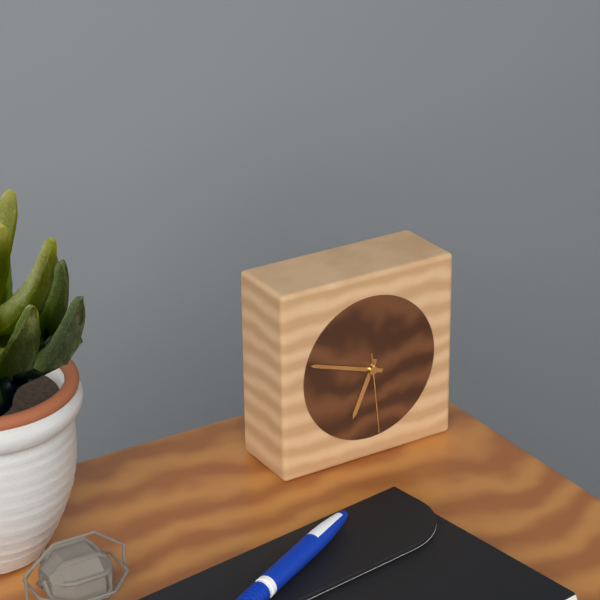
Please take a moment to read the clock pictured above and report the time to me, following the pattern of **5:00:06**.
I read **6:48:29**
